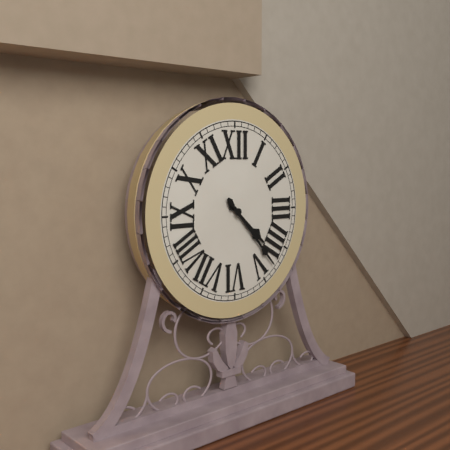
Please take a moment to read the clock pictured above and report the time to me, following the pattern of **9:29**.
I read **4:23**
